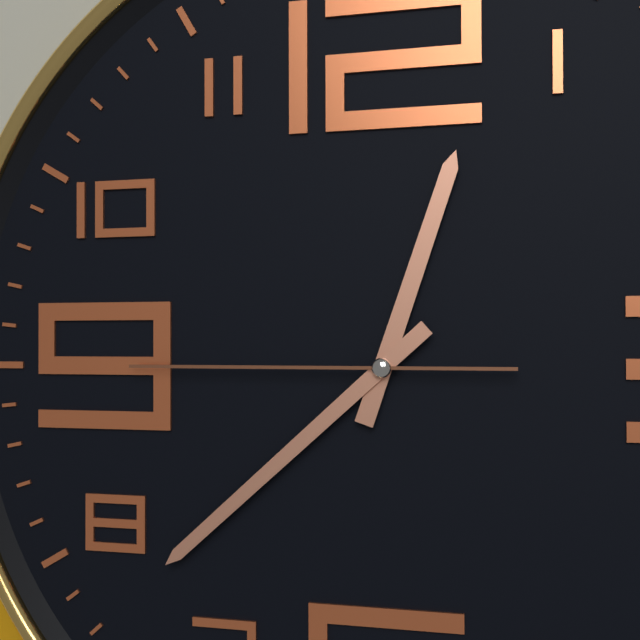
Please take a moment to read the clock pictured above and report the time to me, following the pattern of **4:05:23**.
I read **12:38:45**
